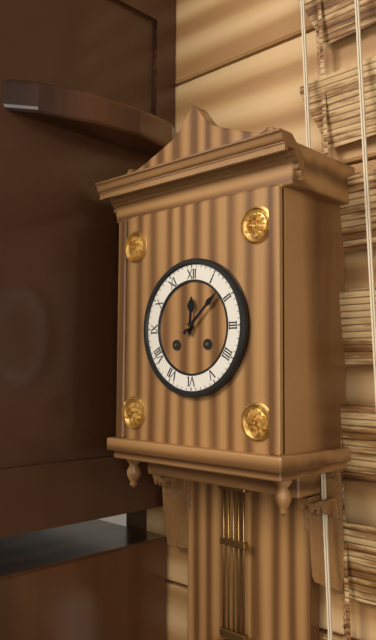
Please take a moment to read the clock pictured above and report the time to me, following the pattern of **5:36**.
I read **12:08**
